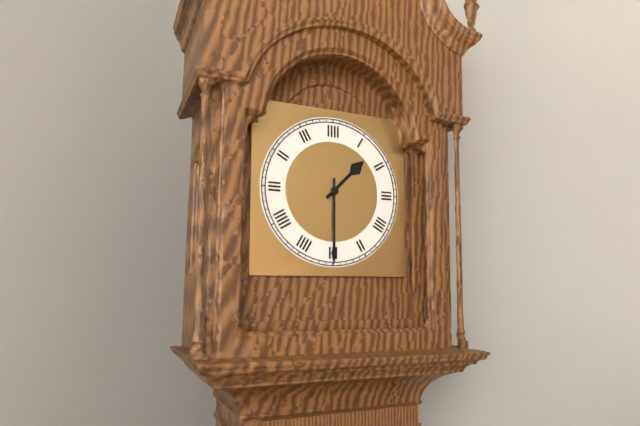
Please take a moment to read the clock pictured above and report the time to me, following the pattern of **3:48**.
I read **1:30**
